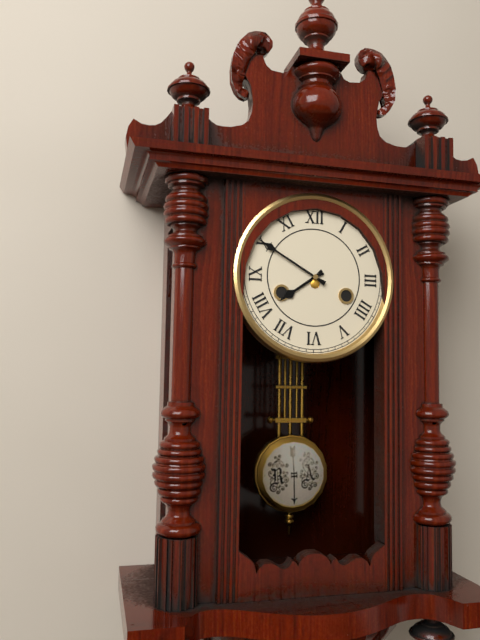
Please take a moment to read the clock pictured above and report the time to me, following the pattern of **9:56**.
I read **7:50**
